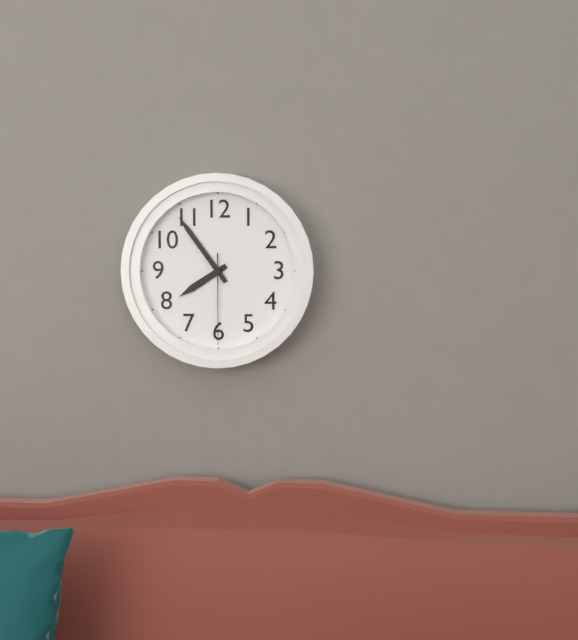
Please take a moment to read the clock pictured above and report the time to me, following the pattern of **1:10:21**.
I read **7:54:30**
